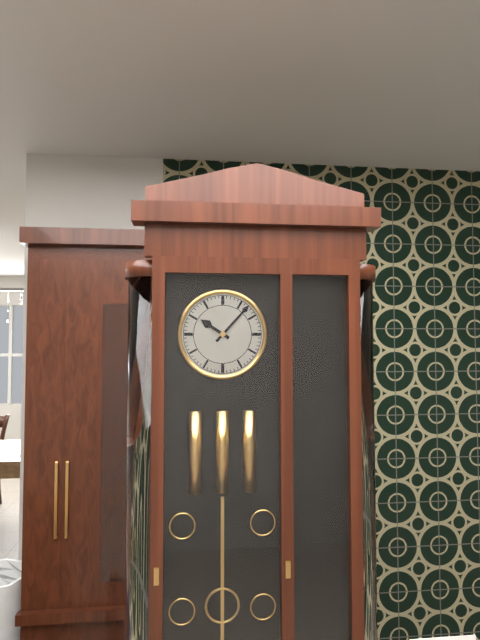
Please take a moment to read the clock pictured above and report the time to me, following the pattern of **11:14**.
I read **10:07**
